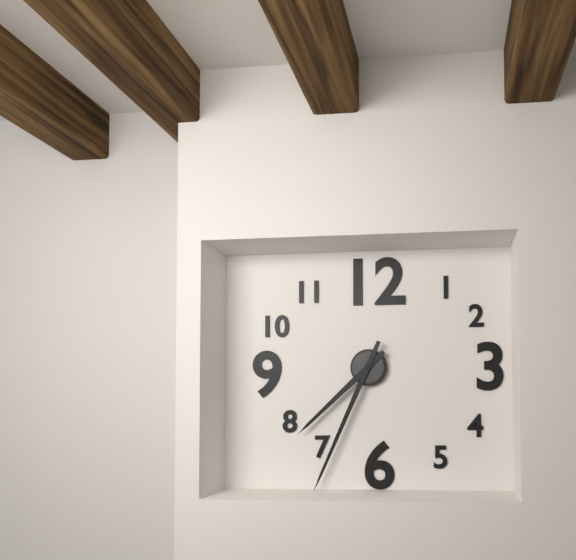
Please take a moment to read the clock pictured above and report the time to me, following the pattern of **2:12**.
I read **7:34**
